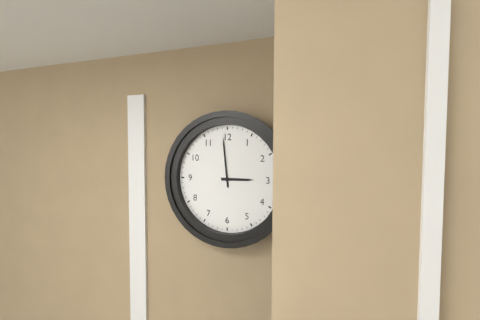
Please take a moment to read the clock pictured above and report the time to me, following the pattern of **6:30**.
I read **2:59**
